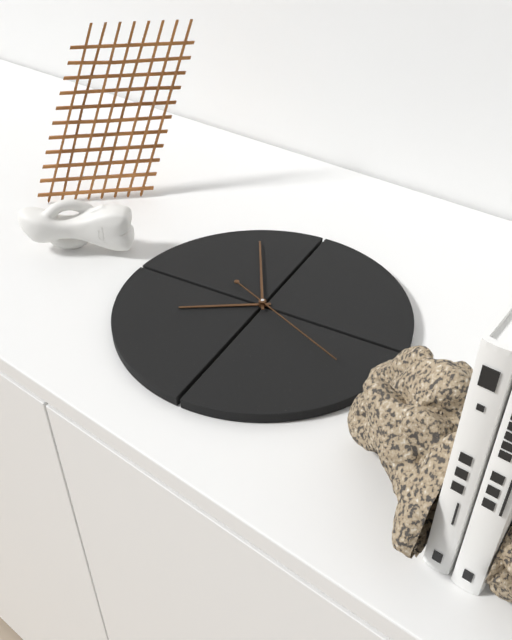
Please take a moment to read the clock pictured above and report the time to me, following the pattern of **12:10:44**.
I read **7:55:19**
